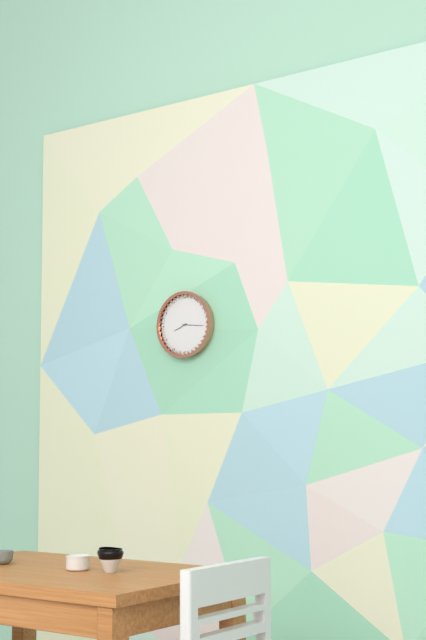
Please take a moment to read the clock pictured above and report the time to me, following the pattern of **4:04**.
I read **8:16**
